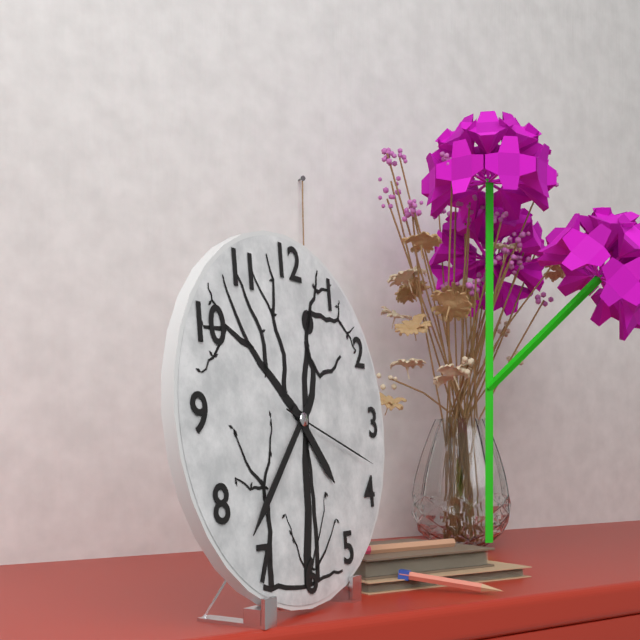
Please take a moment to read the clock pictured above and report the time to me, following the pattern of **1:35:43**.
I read **4:37:18**
